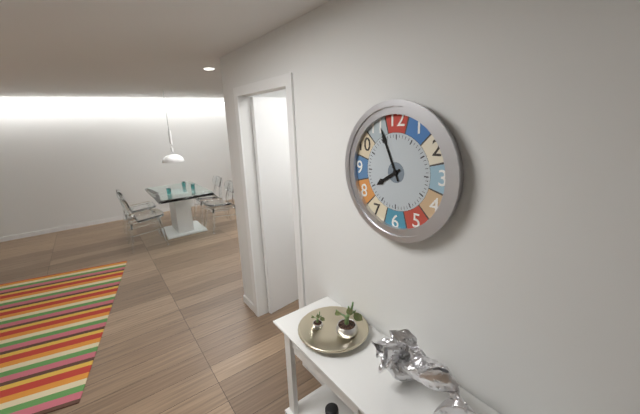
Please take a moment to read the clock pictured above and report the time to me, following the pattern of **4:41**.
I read **7:56**
